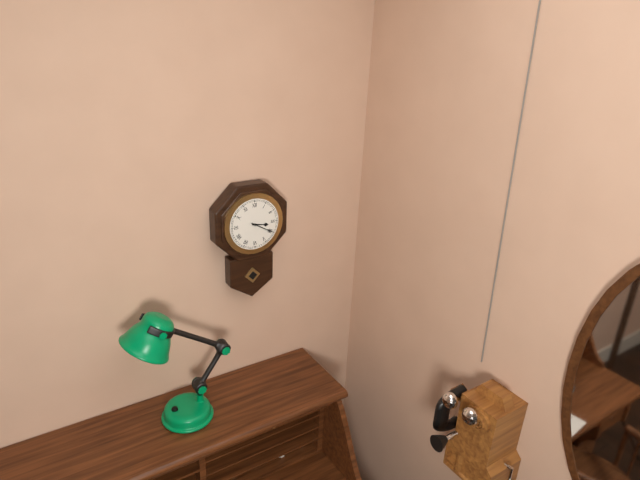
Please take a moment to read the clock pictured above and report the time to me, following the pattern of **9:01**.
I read **3:20**
